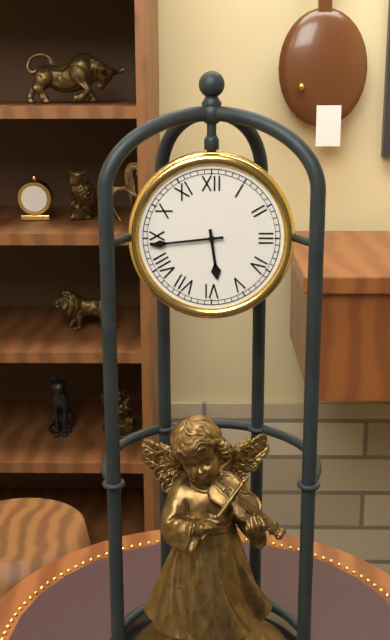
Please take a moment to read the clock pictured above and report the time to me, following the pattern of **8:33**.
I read **5:44**
